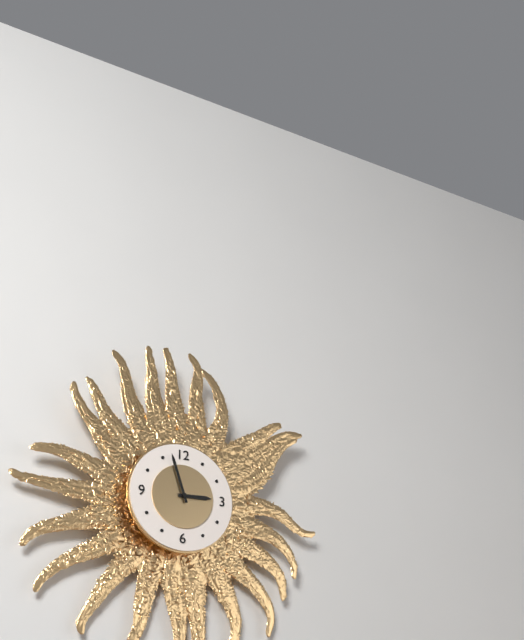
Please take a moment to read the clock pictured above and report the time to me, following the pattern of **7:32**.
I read **2:57**
